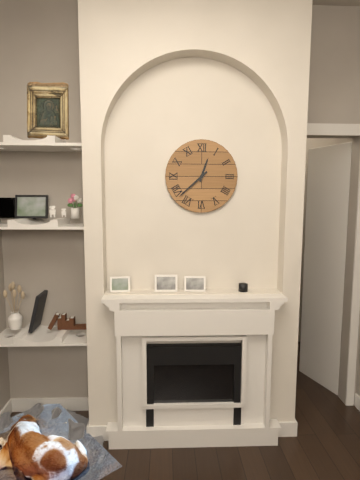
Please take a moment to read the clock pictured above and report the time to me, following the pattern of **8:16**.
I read **12:38**
